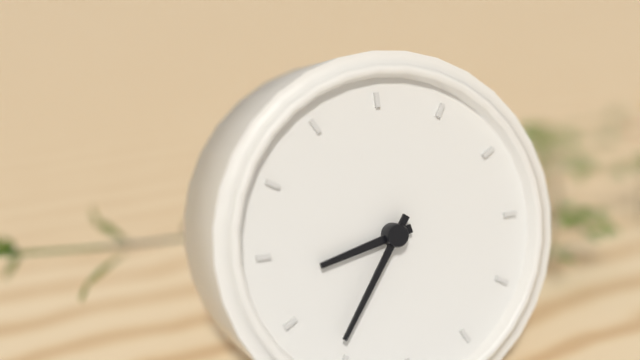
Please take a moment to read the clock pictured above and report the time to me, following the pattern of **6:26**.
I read **8:36**
